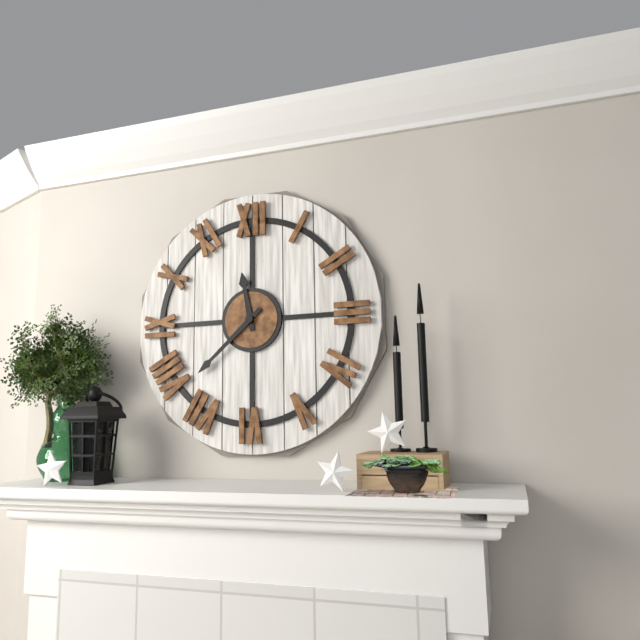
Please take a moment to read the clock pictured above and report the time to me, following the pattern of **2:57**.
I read **11:38**
